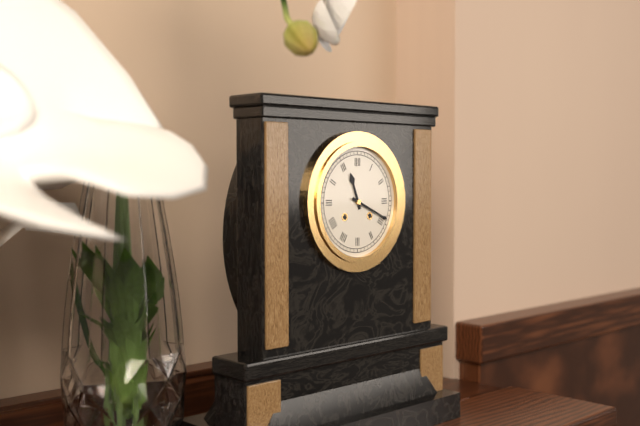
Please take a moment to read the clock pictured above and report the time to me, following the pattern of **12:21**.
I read **11:19**
